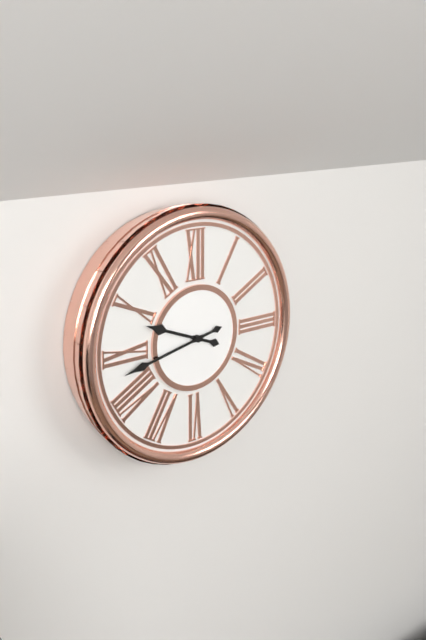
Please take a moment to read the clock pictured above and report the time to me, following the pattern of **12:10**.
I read **9:43**
